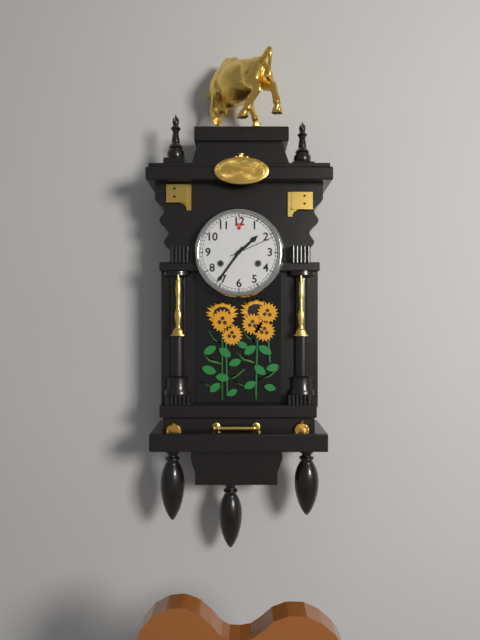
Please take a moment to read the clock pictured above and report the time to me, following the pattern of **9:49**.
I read **1:36**
